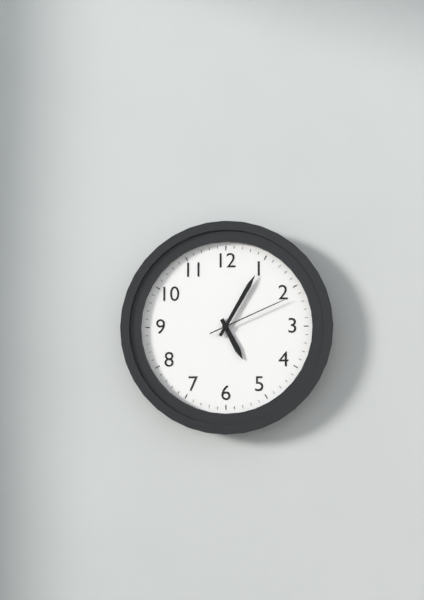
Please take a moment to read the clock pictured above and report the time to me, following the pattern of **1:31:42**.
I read **5:05:11**
